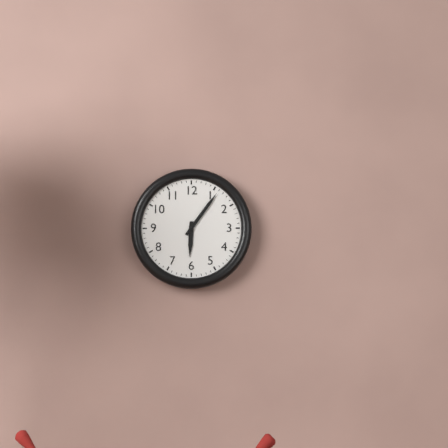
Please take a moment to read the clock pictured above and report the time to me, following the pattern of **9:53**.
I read **6:06**
